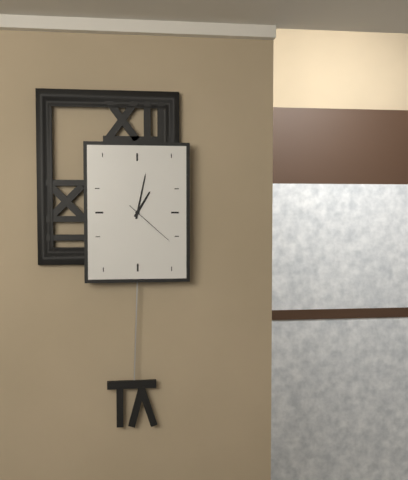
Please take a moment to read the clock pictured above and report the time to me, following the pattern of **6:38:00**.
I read **1:02:22**
